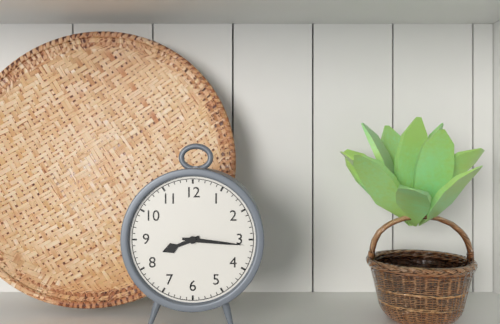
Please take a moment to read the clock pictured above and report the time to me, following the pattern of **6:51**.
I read **8:16**
